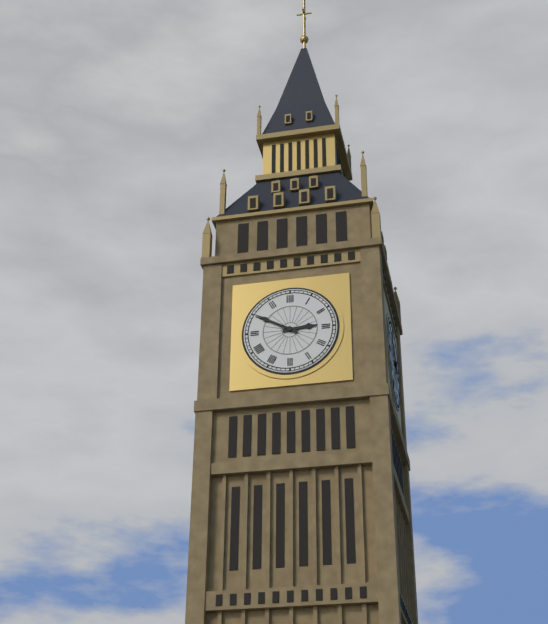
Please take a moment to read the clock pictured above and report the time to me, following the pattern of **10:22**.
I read **2:50**
